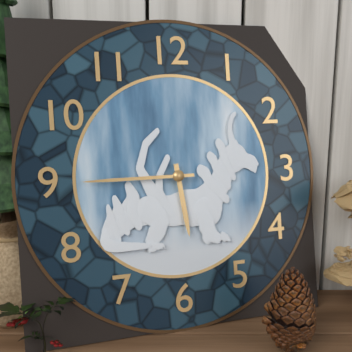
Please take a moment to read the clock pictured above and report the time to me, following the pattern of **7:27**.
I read **5:45**
